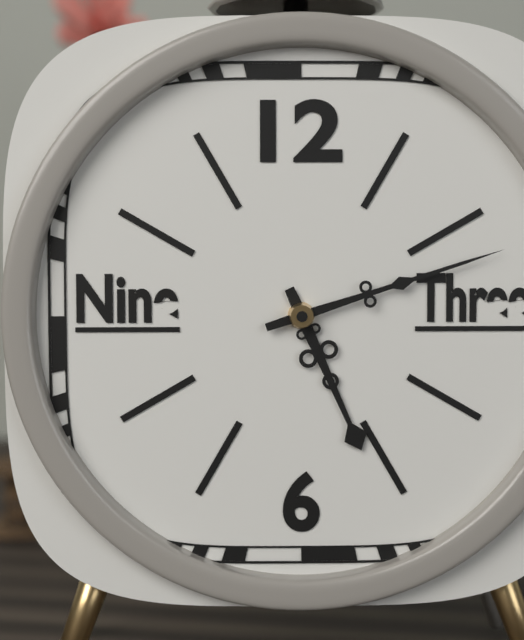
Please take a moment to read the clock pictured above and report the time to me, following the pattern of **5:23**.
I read **5:12**
